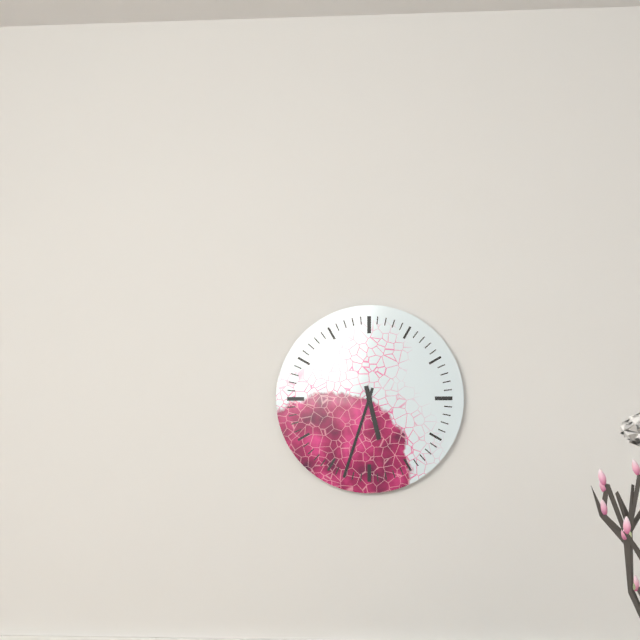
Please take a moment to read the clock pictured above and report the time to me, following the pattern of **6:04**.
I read **5:33**
